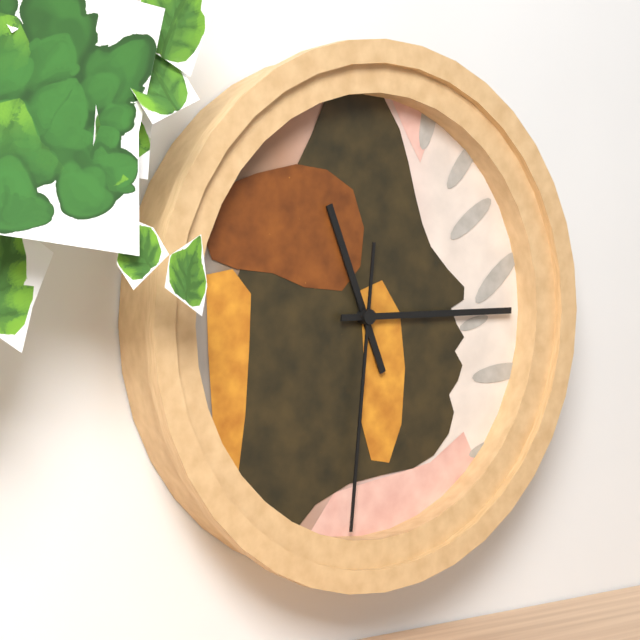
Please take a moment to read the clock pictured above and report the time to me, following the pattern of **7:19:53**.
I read **11:15:31**
